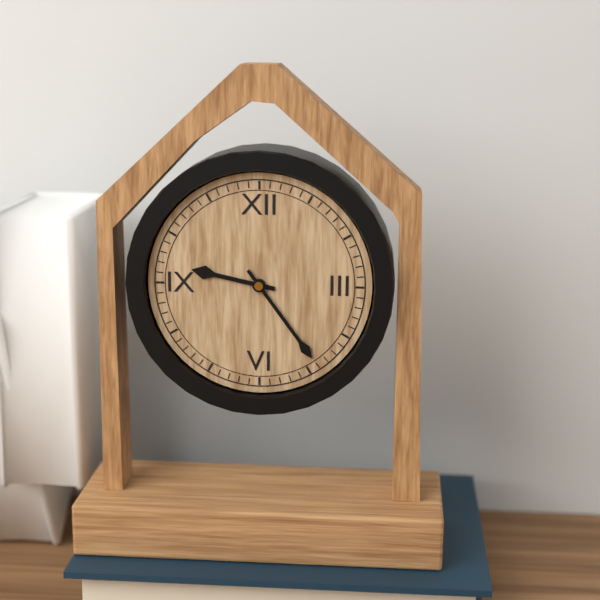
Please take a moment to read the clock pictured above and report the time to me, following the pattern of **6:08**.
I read **9:24**
